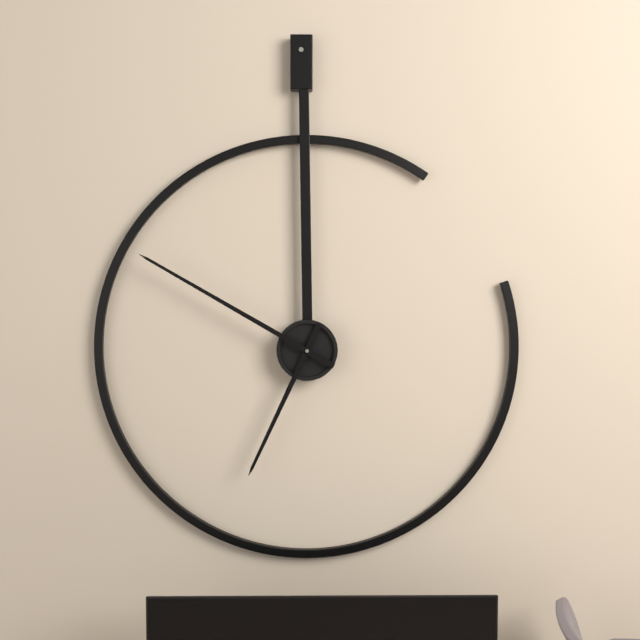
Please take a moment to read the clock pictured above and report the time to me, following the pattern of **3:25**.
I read **6:50**
